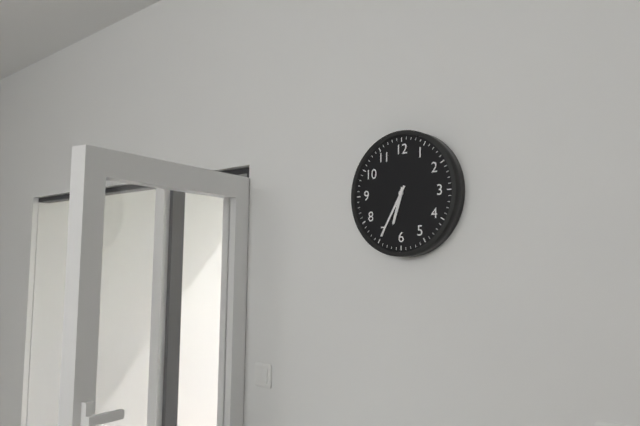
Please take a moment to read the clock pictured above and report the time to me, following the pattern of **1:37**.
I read **6:35**
